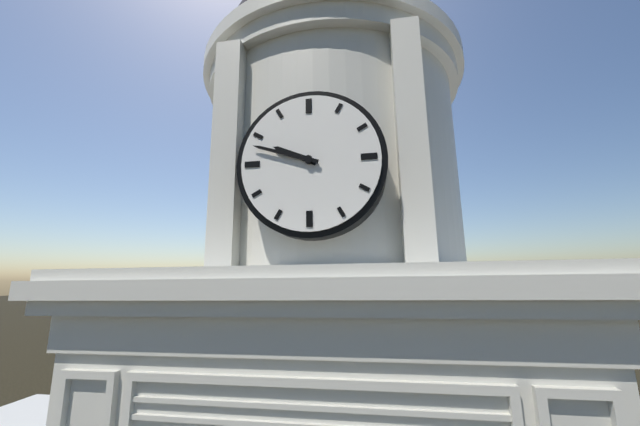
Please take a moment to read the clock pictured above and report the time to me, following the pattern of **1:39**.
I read **9:48**
